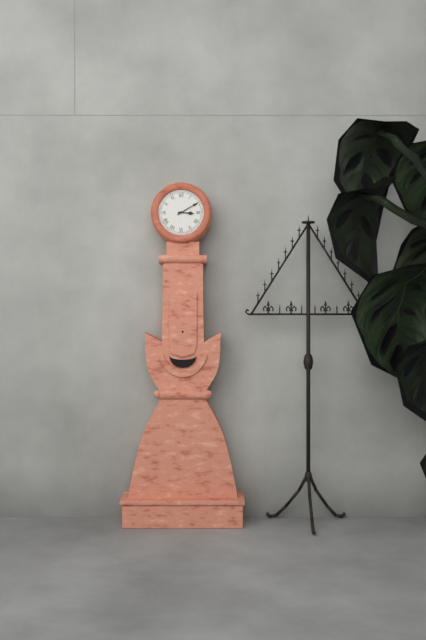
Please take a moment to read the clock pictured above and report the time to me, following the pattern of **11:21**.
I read **3:10**
